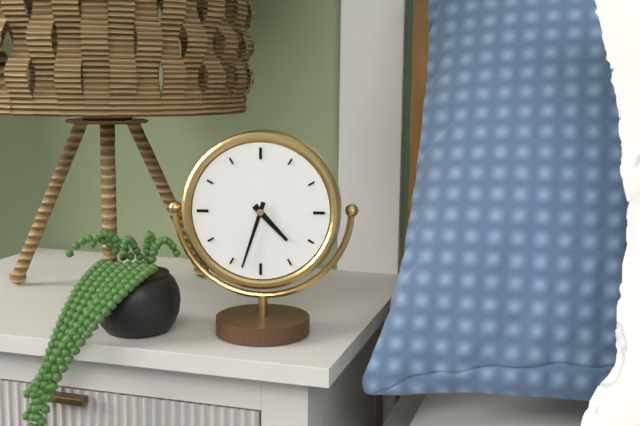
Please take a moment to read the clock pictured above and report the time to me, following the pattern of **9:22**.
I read **4:33**
